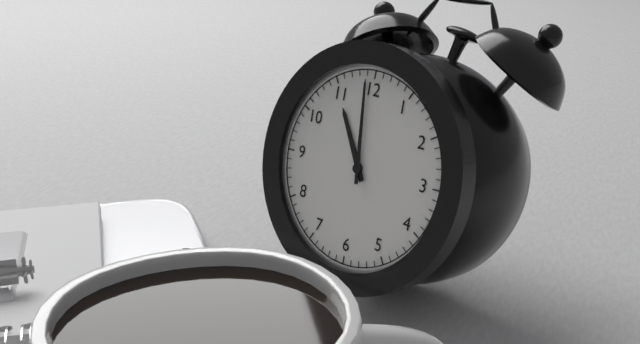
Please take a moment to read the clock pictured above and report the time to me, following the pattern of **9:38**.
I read **10:59**
